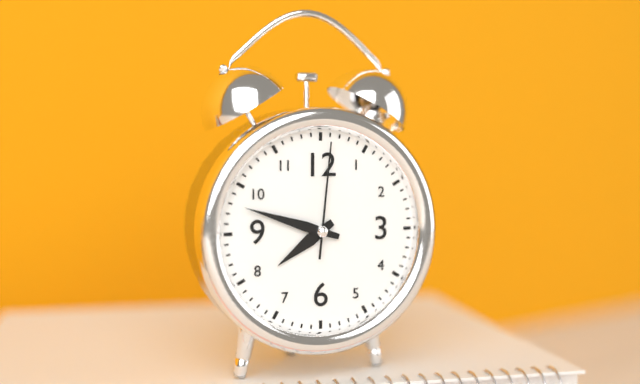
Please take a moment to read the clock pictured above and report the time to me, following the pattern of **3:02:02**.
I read **7:48:01**
